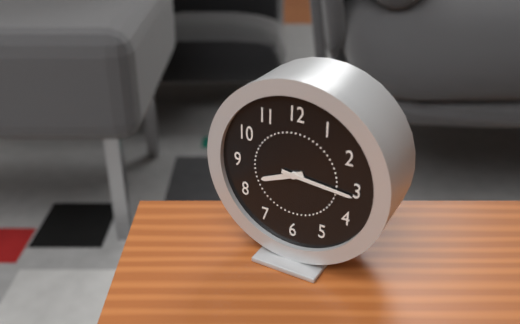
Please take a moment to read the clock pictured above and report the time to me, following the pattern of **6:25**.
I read **8:16**
